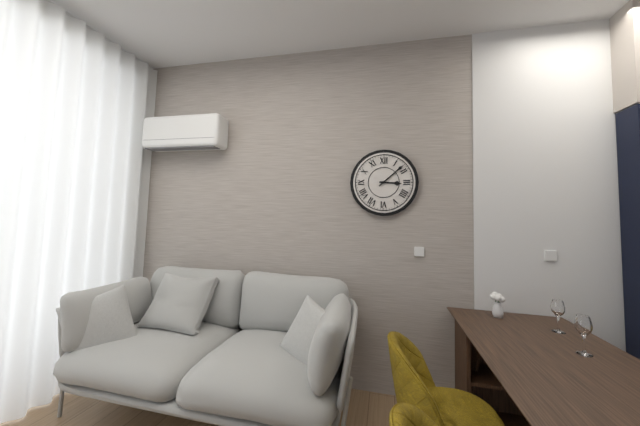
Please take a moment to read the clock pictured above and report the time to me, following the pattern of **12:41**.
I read **3:08**
